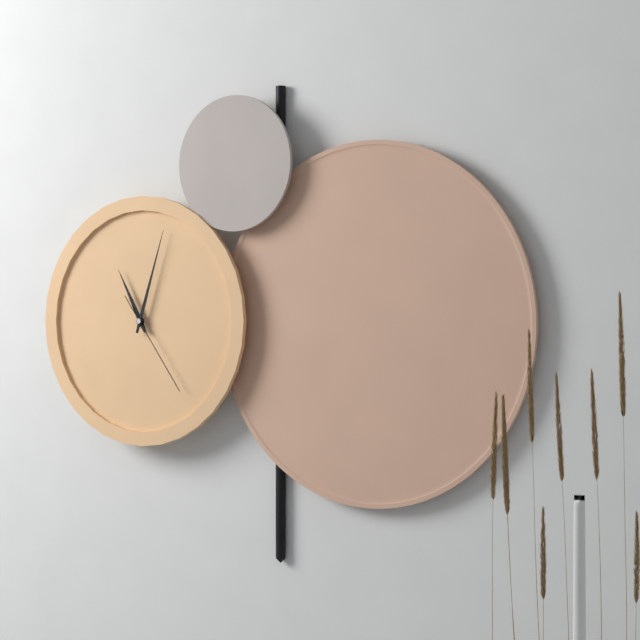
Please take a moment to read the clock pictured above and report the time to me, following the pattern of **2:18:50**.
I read **11:03:24**
